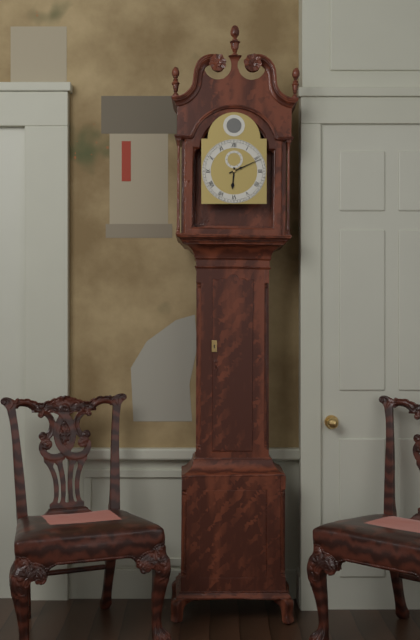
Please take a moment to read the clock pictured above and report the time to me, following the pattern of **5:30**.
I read **6:11**
